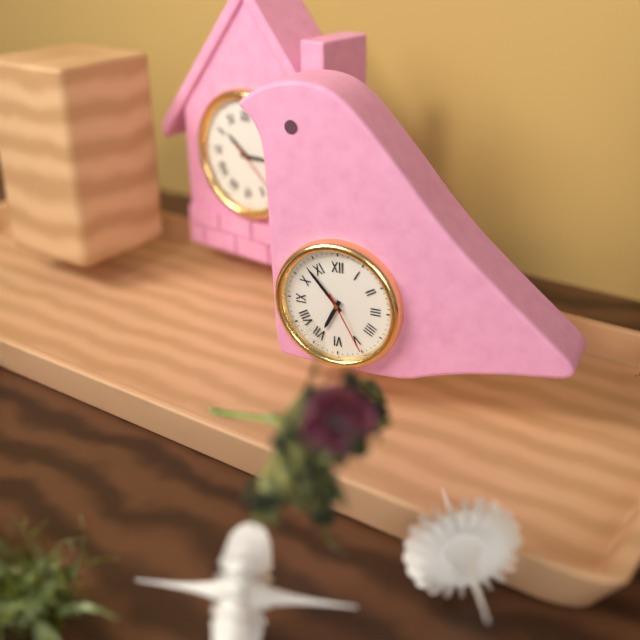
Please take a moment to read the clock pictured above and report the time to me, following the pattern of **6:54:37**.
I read **6:53:25**
